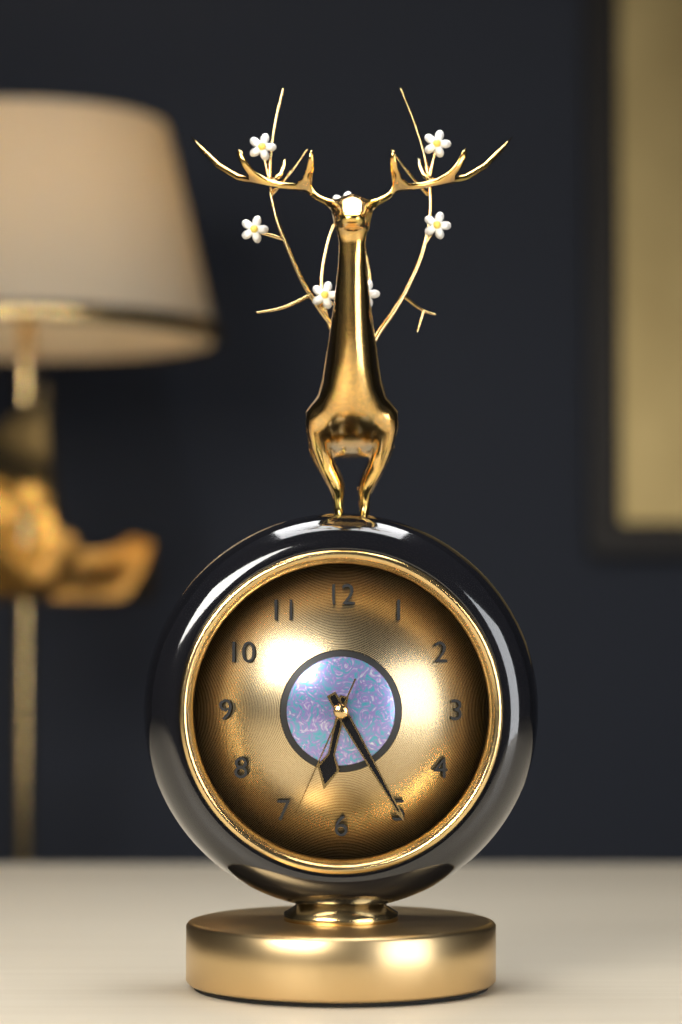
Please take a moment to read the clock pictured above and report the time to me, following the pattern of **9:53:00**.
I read **6:25:34**
